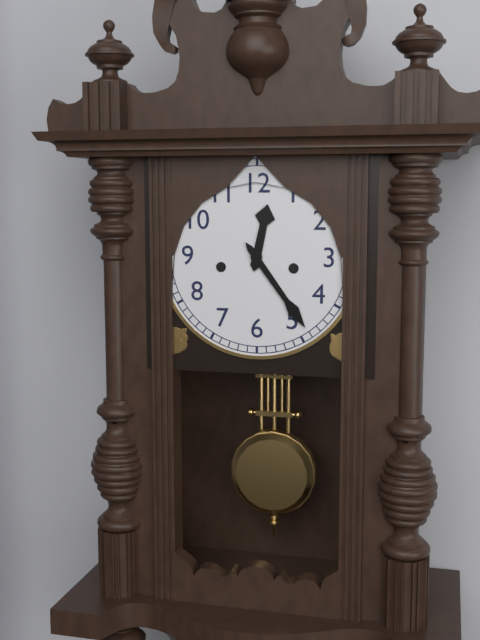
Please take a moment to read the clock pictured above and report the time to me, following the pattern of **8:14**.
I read **12:24**
